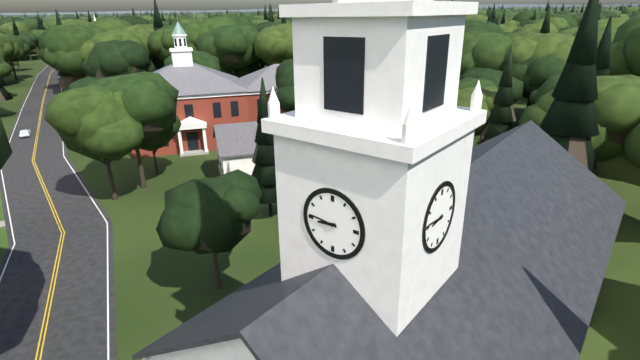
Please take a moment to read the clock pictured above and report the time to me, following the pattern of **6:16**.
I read **8:46**
